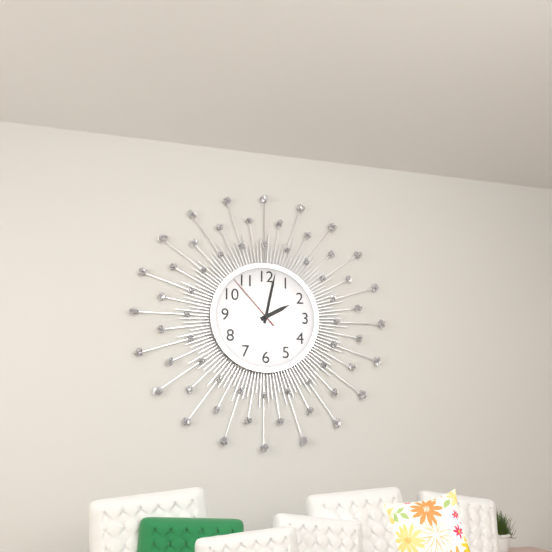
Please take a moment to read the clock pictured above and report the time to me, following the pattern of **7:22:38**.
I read **2:02:53**
